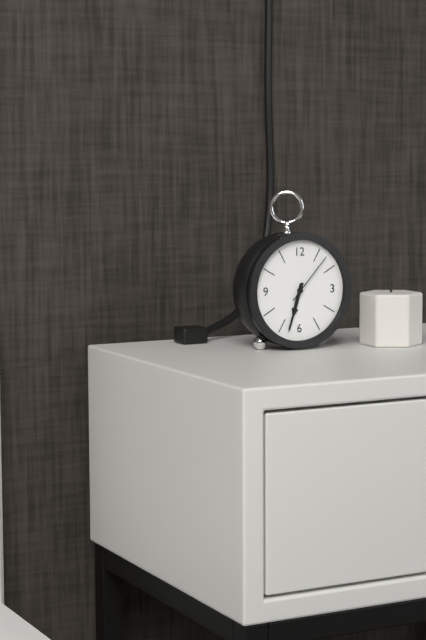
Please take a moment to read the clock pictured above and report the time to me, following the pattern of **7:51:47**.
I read **6:33:07**
